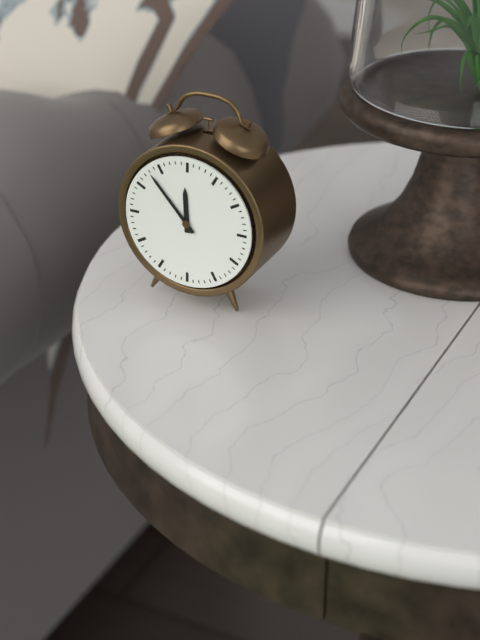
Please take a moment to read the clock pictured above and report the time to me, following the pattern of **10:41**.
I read **11:53**
